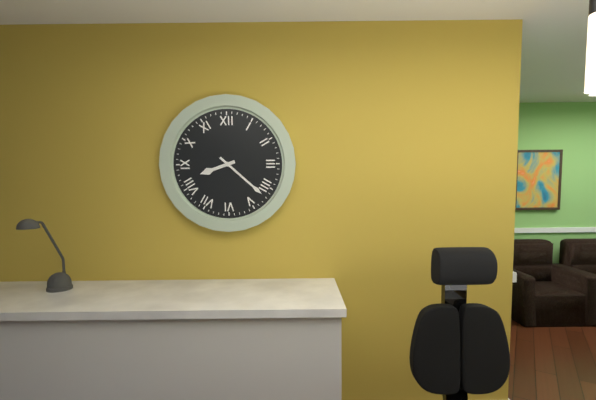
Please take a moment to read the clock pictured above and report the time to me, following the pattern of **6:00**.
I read **8:22**
